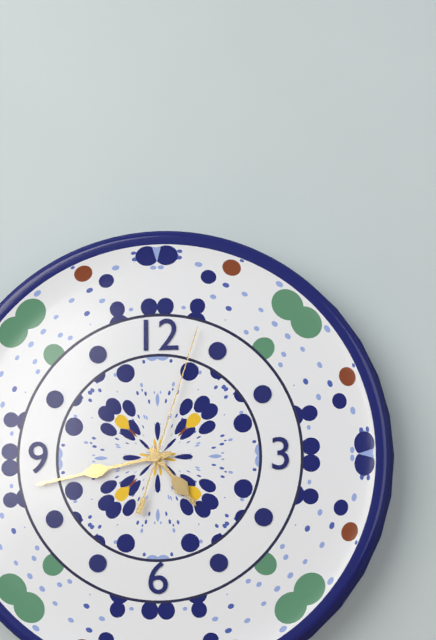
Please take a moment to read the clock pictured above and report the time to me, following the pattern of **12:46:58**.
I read **4:43:03**
